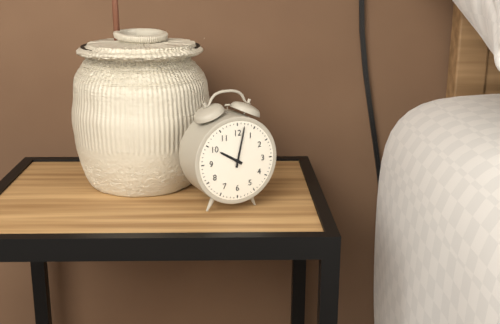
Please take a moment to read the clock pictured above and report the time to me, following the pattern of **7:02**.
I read **10:02**
